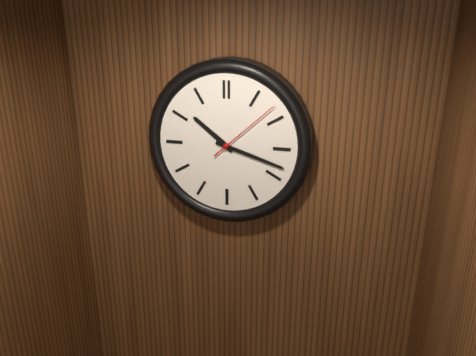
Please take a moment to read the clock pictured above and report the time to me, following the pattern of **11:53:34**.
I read **10:18:08**
